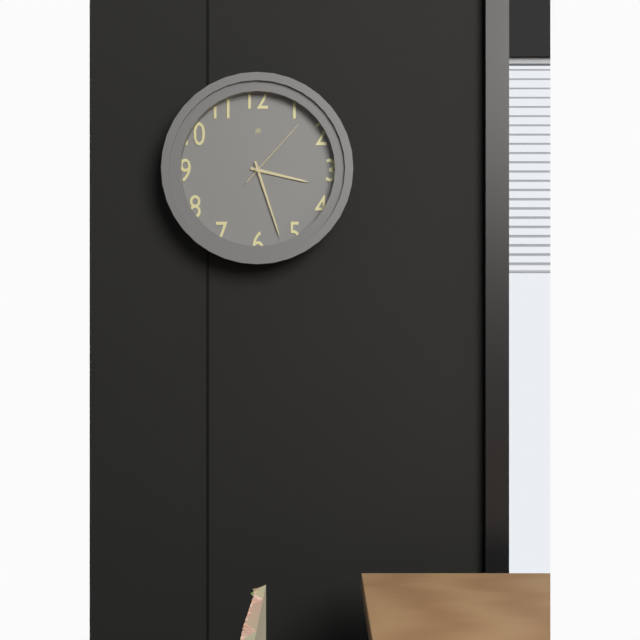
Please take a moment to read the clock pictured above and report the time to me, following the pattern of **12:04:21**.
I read **3:27:07**
